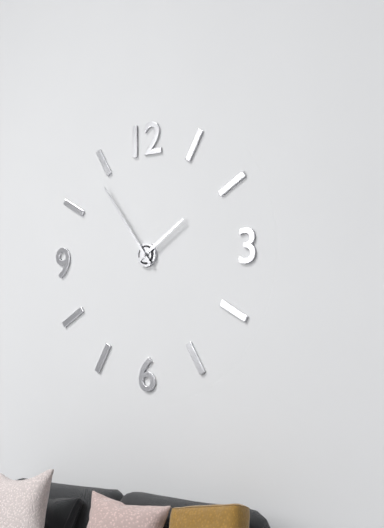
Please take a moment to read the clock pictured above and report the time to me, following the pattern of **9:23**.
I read **1:54**
